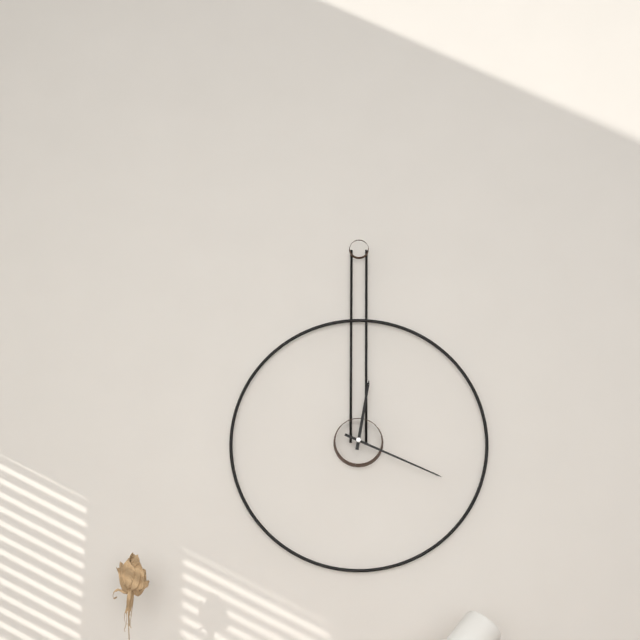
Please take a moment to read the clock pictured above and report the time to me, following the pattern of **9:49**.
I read **12:19**
